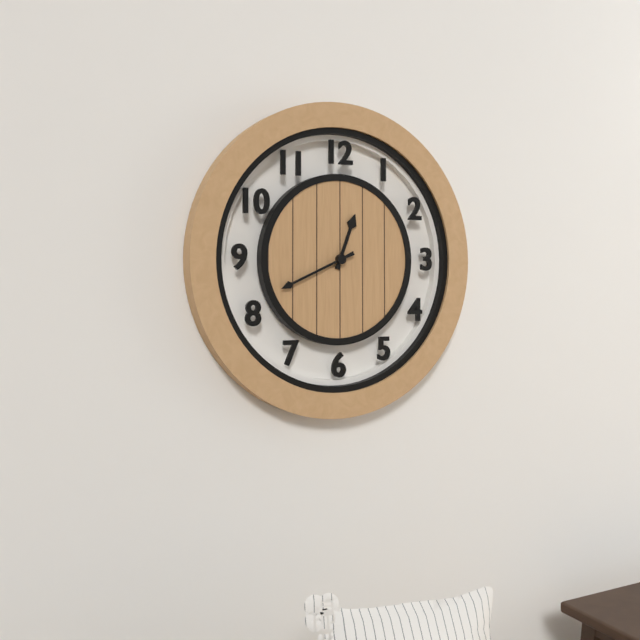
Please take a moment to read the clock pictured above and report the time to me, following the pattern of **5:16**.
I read **12:41**
